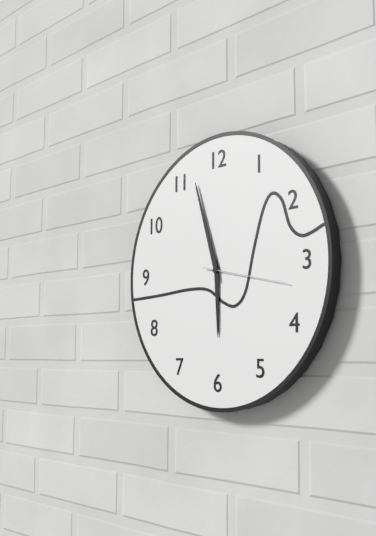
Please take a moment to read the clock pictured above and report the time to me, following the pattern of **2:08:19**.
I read **5:57:17**
